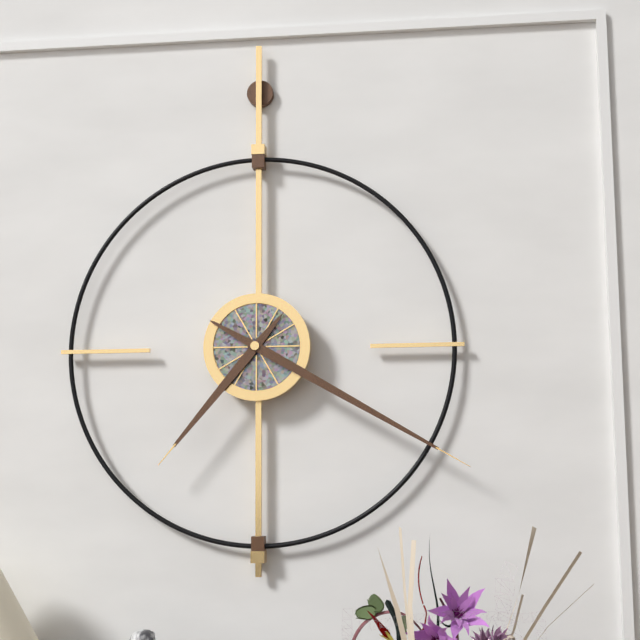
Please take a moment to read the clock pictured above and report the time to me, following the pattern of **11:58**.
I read **7:20**
